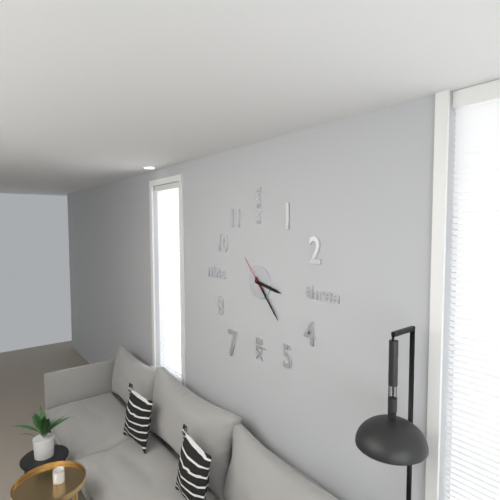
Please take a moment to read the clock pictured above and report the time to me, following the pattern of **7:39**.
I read **3:23**
